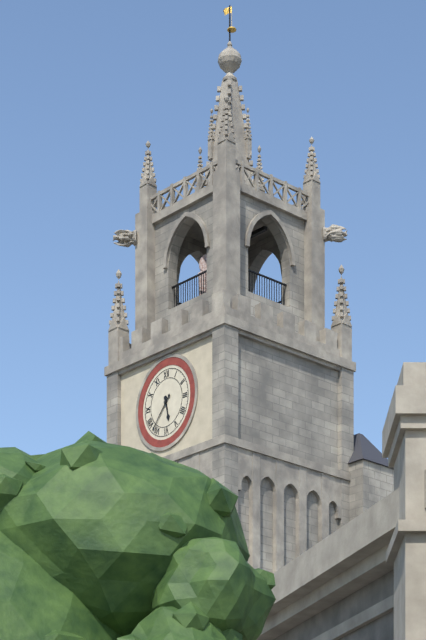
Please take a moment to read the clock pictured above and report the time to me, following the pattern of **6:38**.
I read **5:37**
